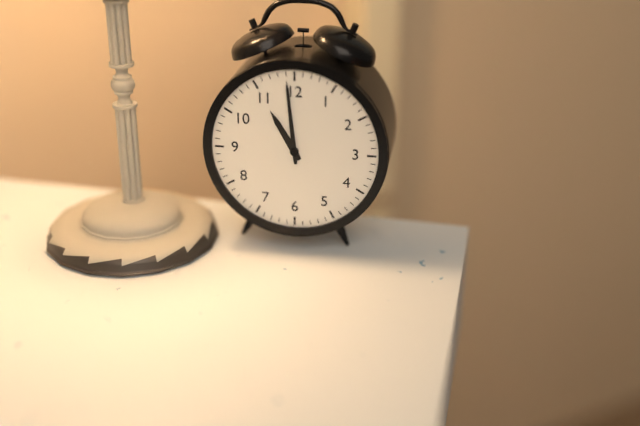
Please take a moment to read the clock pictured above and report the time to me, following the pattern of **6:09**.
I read **10:59**
